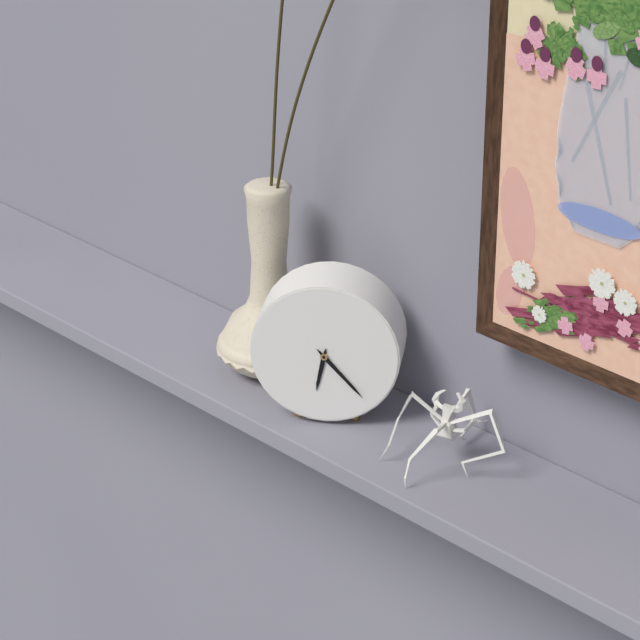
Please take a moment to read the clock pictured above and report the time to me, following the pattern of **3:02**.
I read **6:23**
